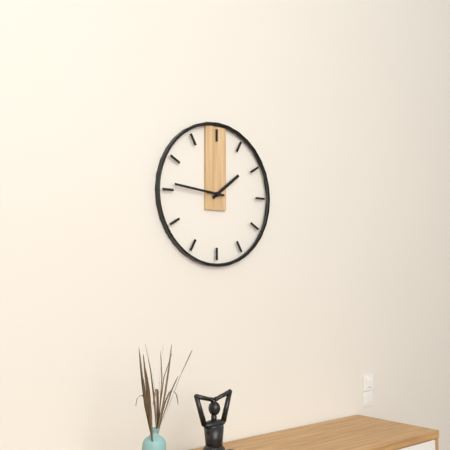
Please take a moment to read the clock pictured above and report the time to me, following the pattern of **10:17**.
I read **1:46**
